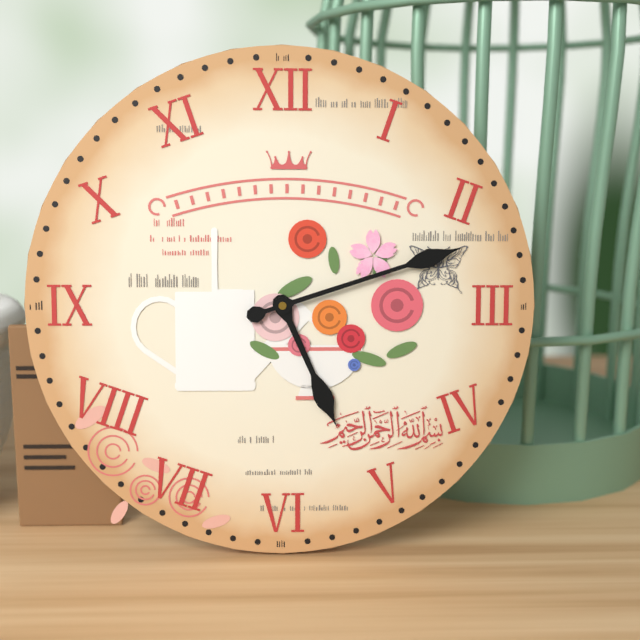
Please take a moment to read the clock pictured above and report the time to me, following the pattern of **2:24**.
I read **5:12**
